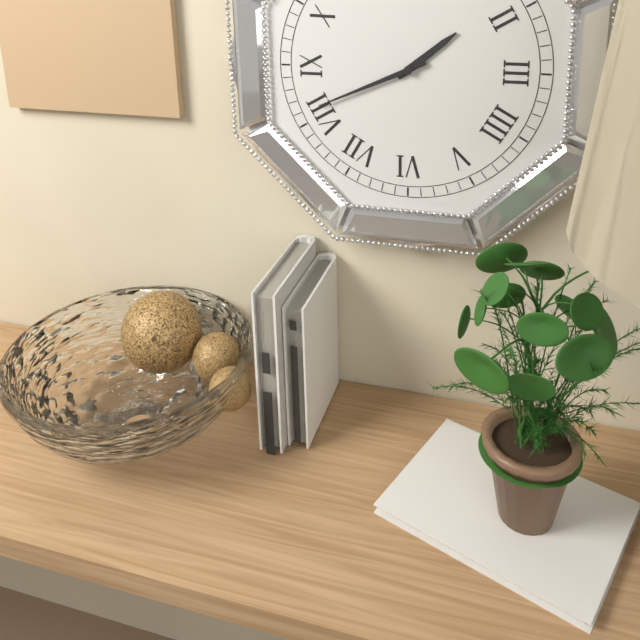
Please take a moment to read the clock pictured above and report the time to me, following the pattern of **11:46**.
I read **1:41**
